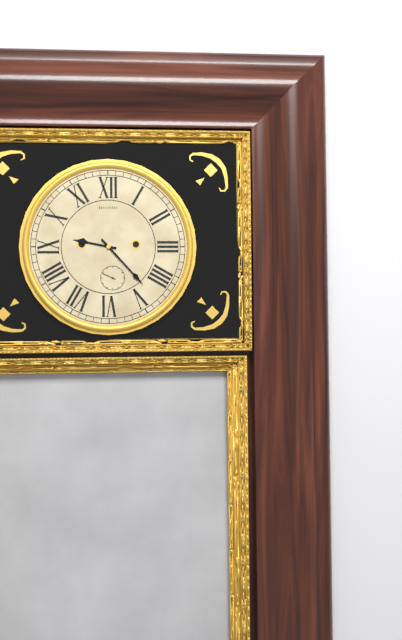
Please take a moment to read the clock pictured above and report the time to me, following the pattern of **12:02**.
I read **9:23**
